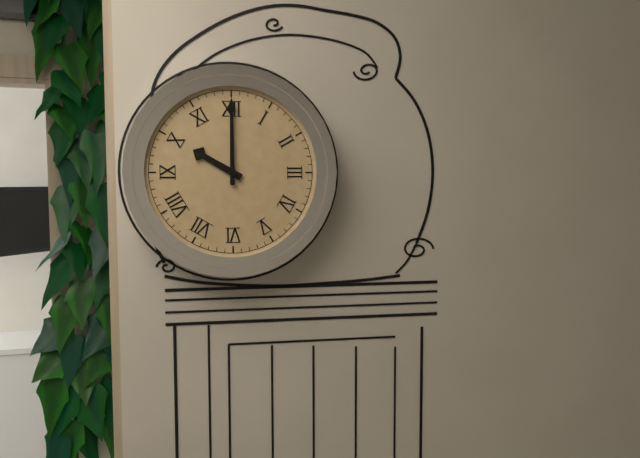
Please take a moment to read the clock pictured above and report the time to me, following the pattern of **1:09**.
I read **10:00**
